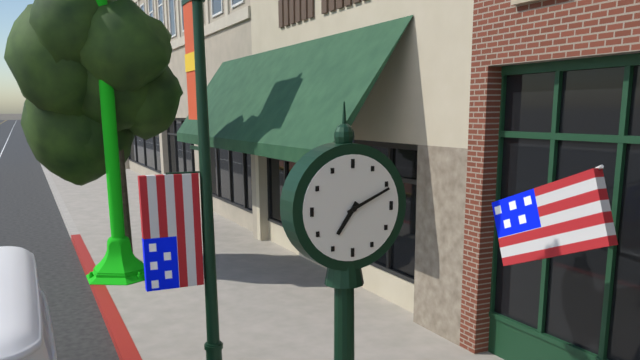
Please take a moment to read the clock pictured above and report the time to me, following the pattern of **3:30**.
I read **7:11**
